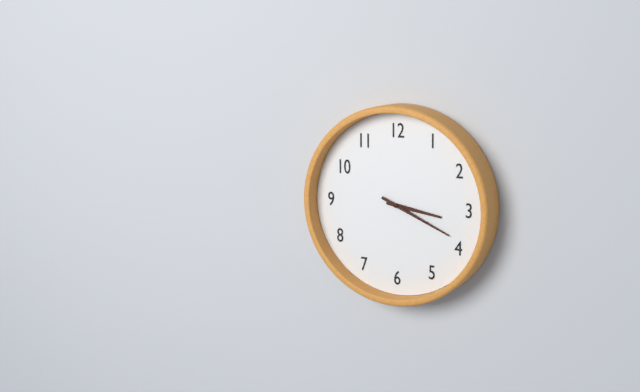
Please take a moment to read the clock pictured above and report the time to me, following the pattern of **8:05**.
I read **3:19**
